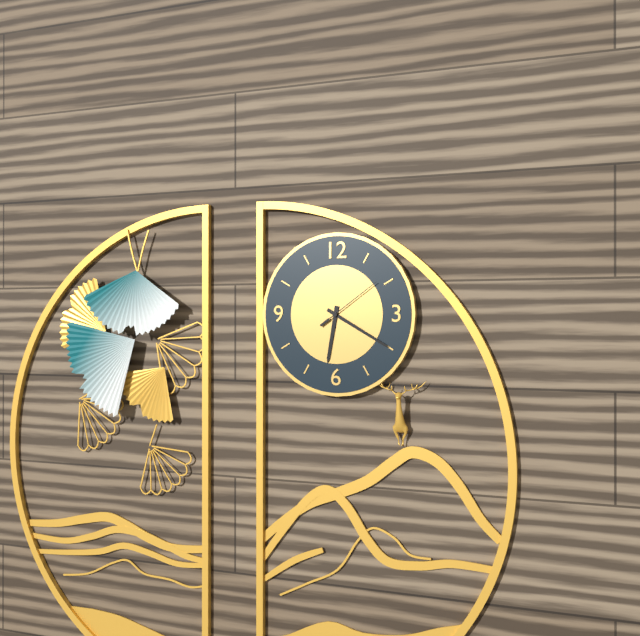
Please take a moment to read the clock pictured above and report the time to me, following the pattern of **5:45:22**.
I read **6:20:09**
